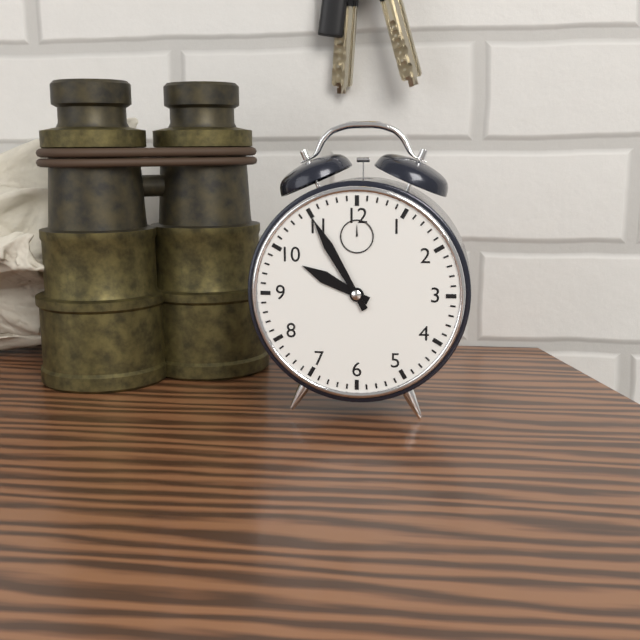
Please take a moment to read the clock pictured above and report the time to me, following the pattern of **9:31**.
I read **9:55**
